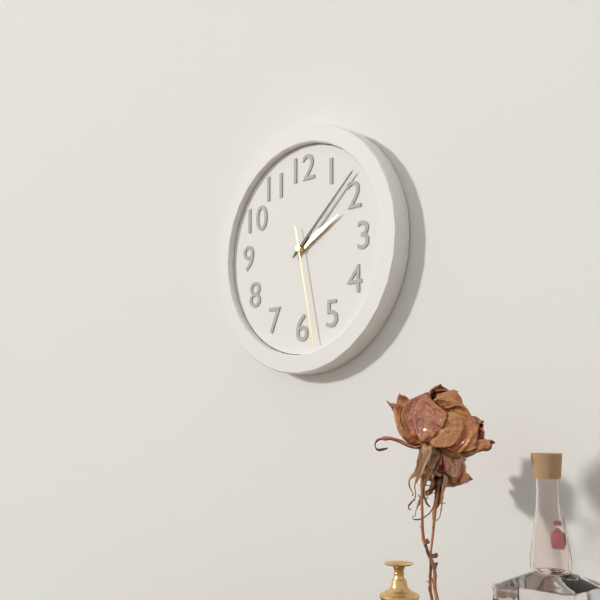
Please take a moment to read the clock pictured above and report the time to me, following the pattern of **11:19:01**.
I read **2:08:28**
